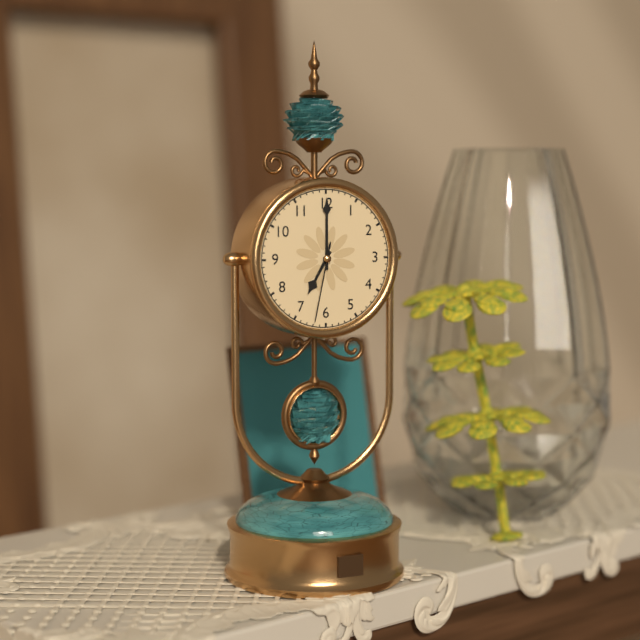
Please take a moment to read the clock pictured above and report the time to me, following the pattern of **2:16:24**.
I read **7:00:32**
